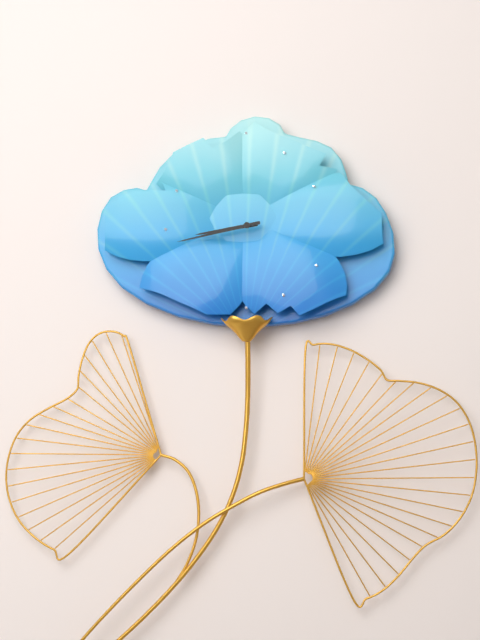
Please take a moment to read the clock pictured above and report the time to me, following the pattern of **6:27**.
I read **8:43**
